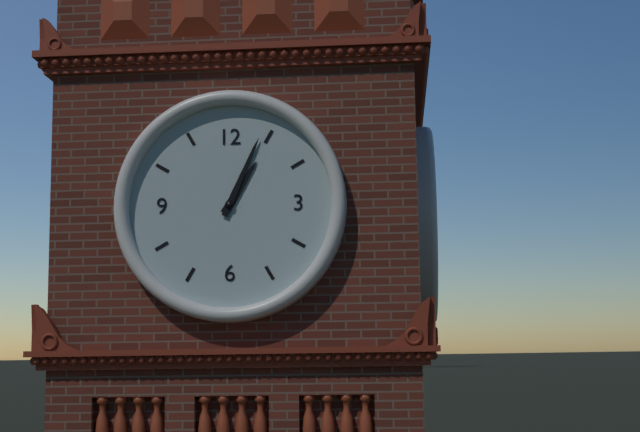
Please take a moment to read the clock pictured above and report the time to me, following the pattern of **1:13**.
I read **1:04**
